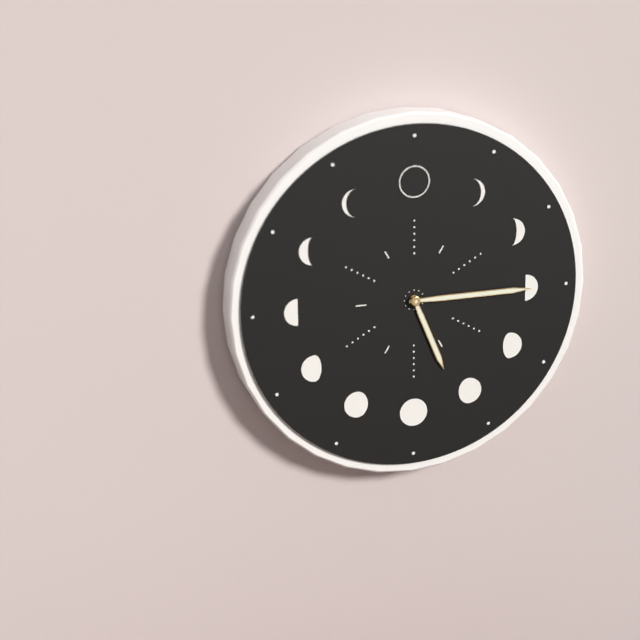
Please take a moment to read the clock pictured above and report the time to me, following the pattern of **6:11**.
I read **5:15**
